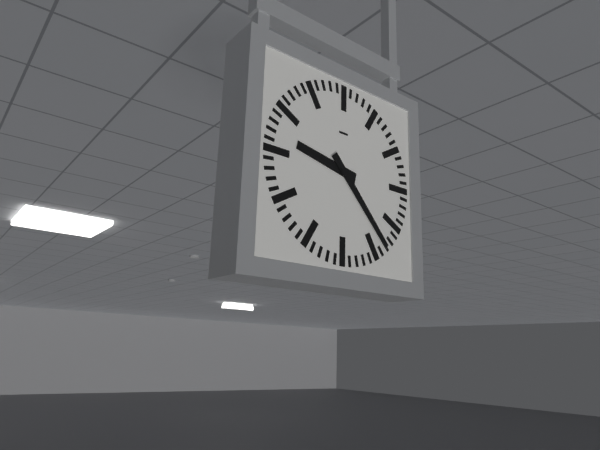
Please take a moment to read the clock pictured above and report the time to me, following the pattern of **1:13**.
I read **9:23**
